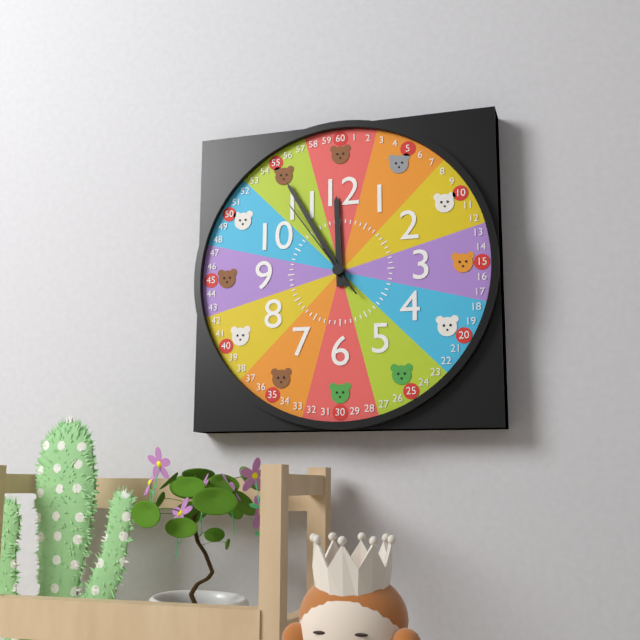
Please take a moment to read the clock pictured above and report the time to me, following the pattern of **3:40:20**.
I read **11:55:54**
